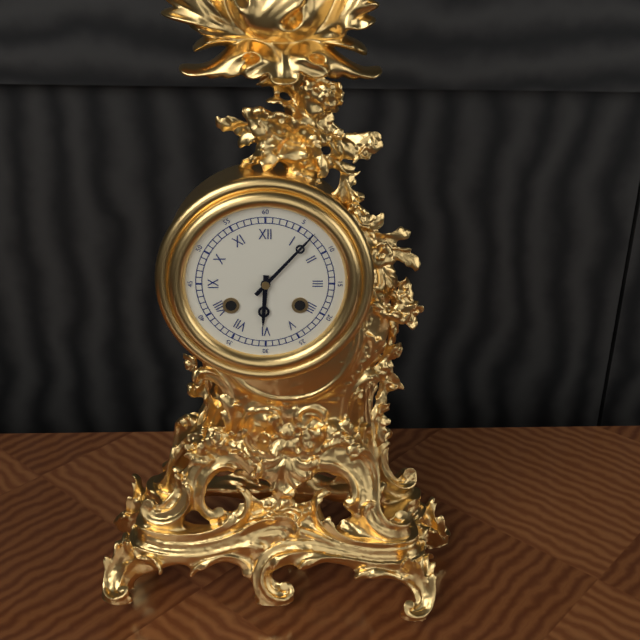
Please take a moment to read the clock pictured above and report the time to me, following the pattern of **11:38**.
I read **6:07**
